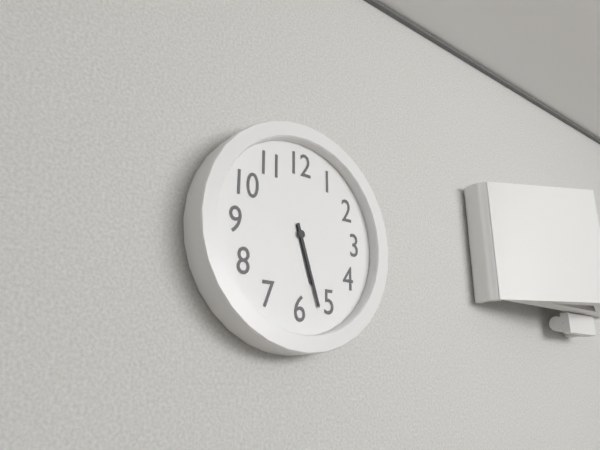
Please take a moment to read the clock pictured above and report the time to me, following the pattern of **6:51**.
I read **5:27**
